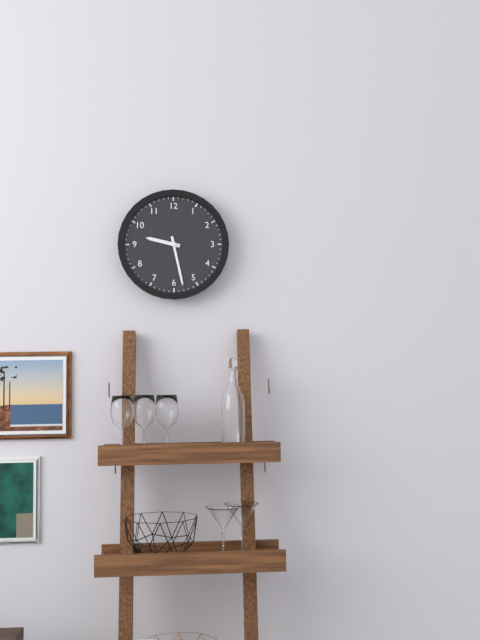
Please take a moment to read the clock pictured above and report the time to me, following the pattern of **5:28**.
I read **9:28**
